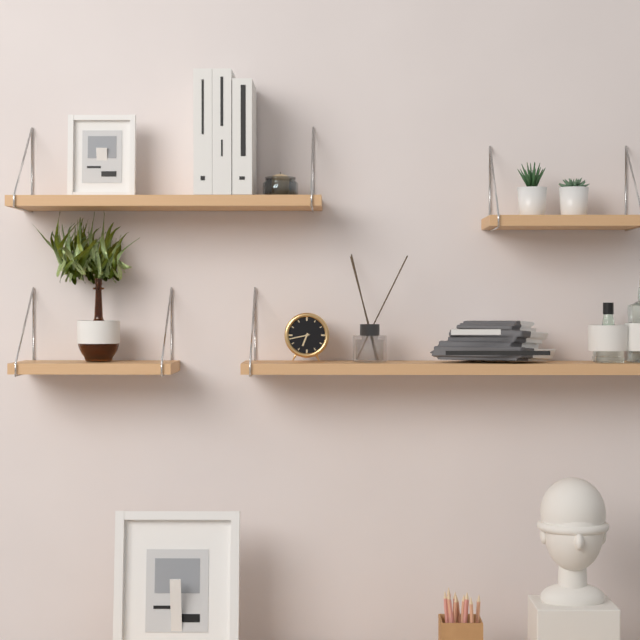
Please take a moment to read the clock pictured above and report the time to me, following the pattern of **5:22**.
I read **6:43**
